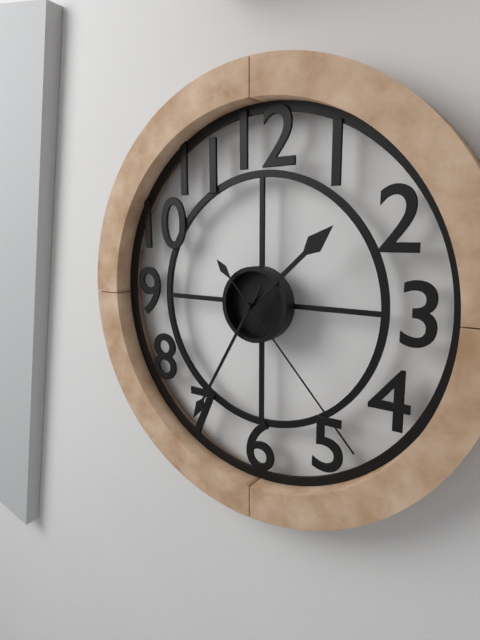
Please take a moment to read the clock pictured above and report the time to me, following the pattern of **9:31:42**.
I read **1:35:23**
